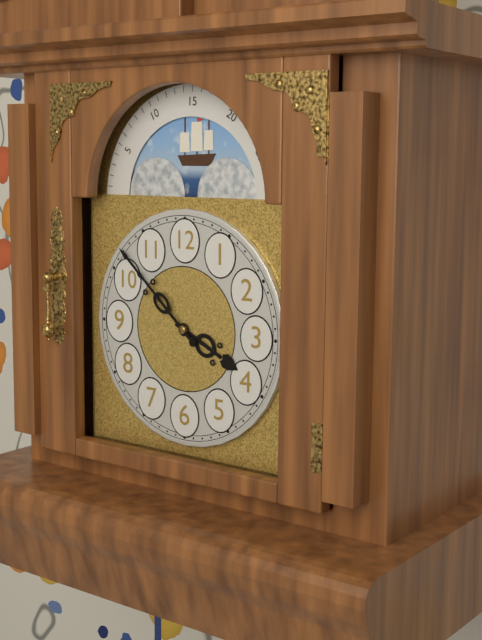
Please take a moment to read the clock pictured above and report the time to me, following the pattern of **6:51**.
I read **3:52**
